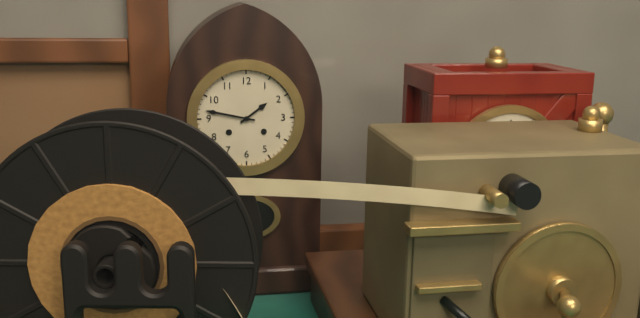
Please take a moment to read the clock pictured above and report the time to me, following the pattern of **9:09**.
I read **1:47**
